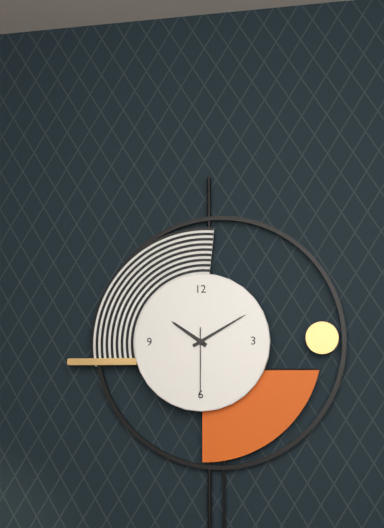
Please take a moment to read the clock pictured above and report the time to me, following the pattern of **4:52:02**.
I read **10:10:30**
